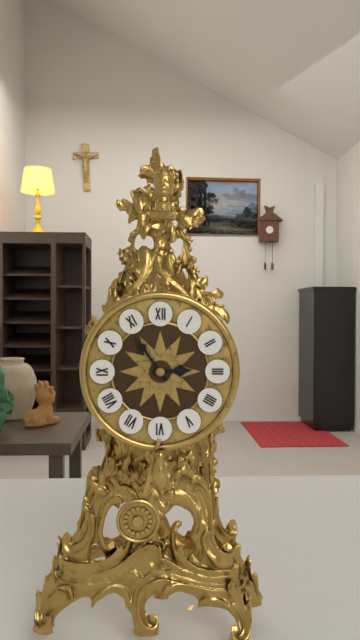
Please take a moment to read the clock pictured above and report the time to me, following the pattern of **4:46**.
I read **2:54**
